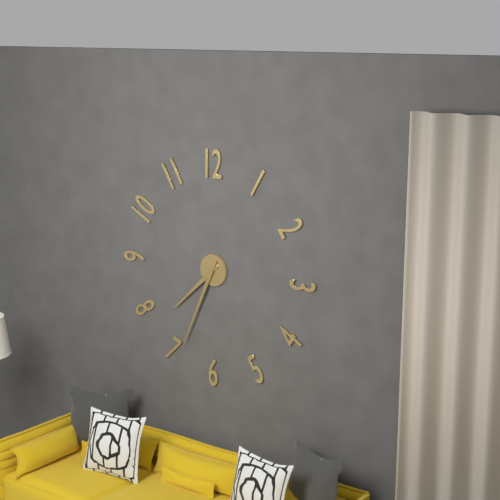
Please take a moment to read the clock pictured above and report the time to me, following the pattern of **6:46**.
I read **7:34**
